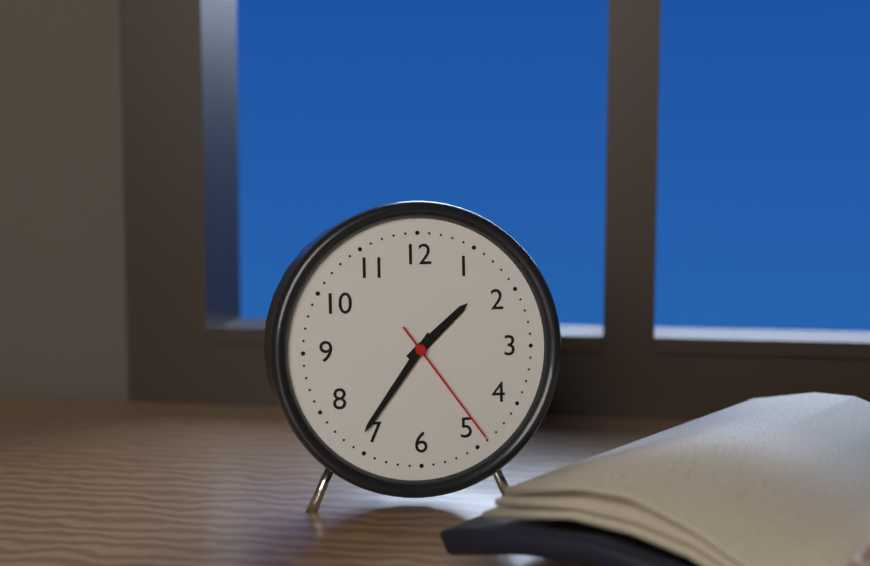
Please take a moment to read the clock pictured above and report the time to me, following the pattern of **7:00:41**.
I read **1:36:24**
